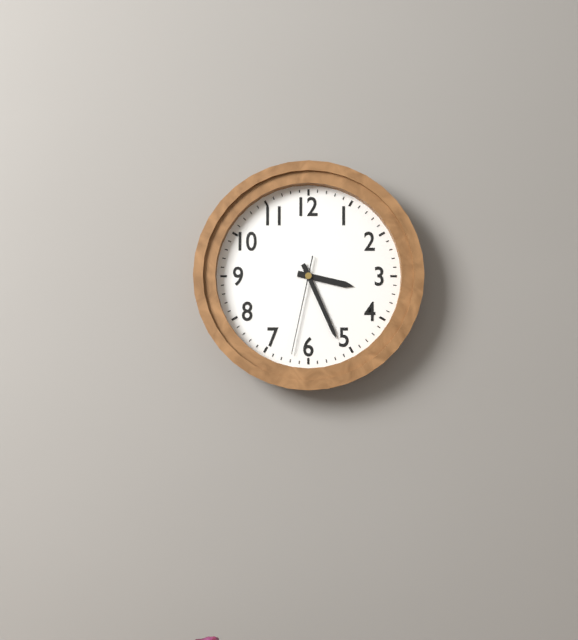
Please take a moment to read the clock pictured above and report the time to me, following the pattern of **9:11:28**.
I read **3:26:32**
